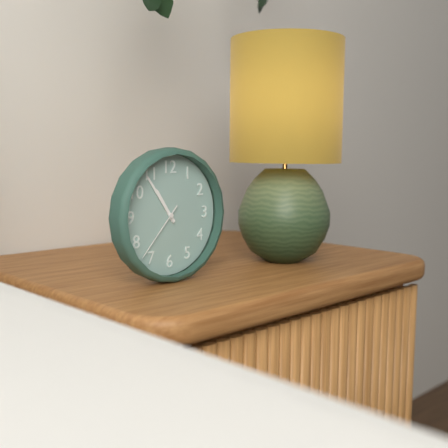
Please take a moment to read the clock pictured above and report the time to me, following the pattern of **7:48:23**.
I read **10:54:37**
